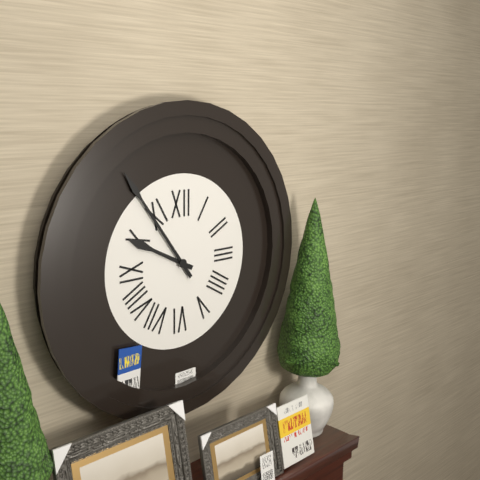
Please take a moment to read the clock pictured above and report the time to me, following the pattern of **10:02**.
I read **9:54**
